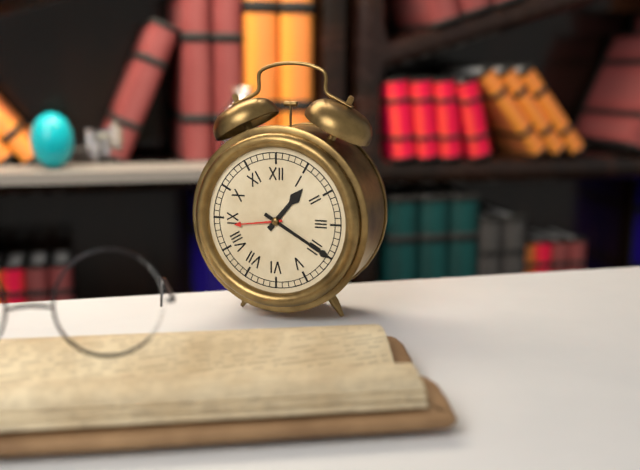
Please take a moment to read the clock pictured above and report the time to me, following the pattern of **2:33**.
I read **1:20**
